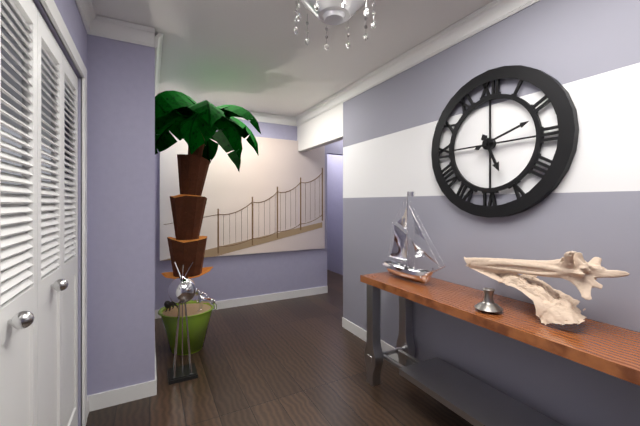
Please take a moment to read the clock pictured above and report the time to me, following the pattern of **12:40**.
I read **5:12**
